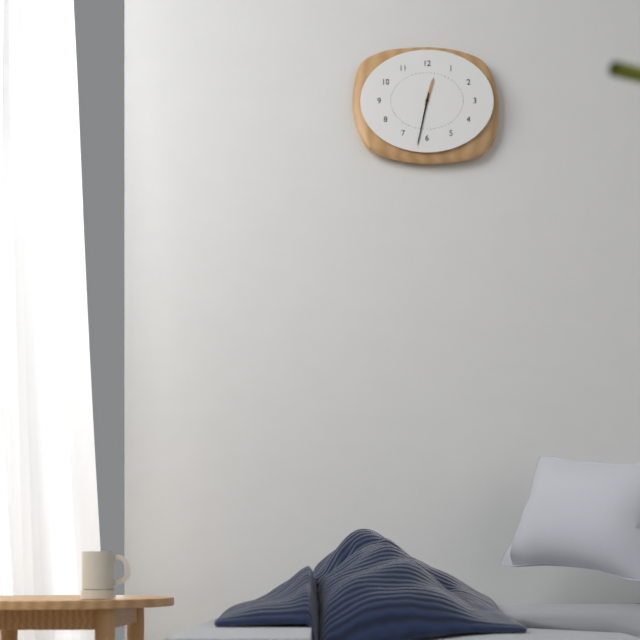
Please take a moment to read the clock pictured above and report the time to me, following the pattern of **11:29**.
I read **12:32**
